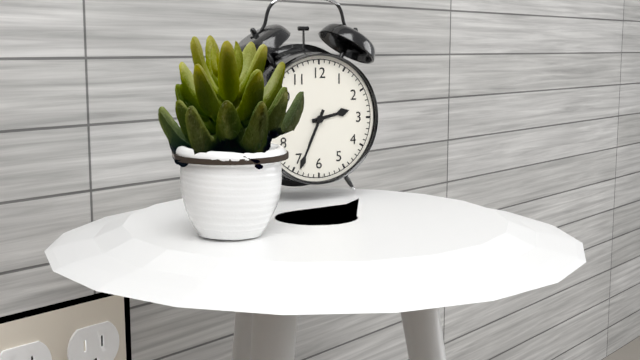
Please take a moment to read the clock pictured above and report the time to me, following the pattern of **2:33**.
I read **2:34**
